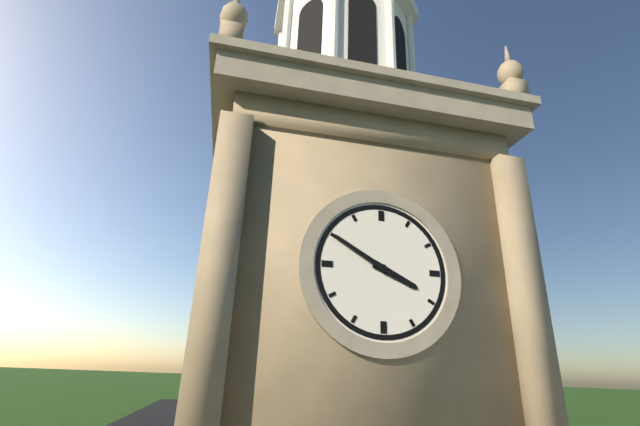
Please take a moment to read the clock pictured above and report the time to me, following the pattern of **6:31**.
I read **3:50**
